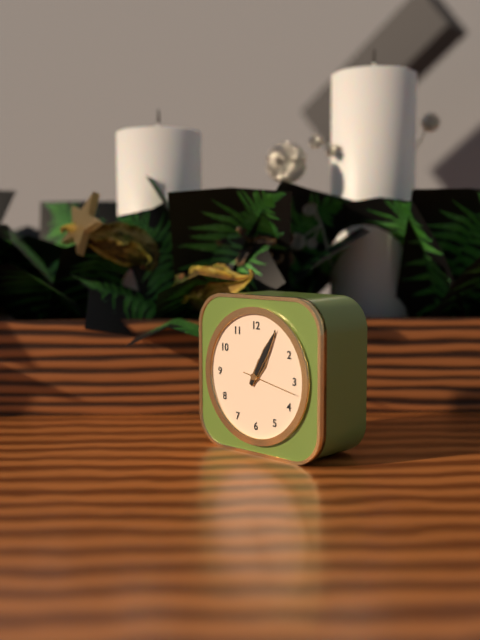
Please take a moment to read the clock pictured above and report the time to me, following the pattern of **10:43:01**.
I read **1:05:17**
